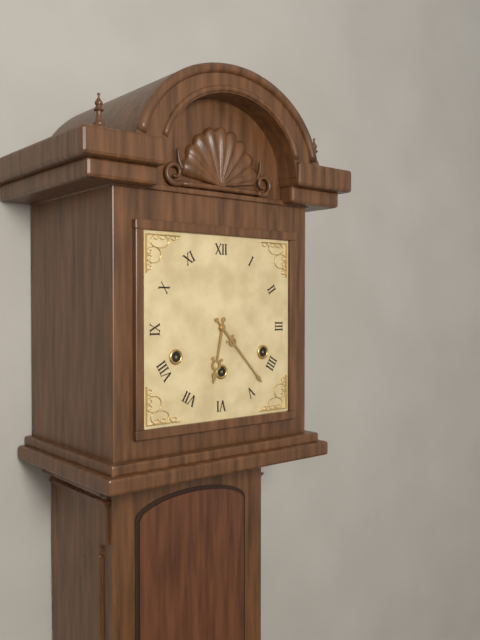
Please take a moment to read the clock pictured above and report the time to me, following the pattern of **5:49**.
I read **6:23**
